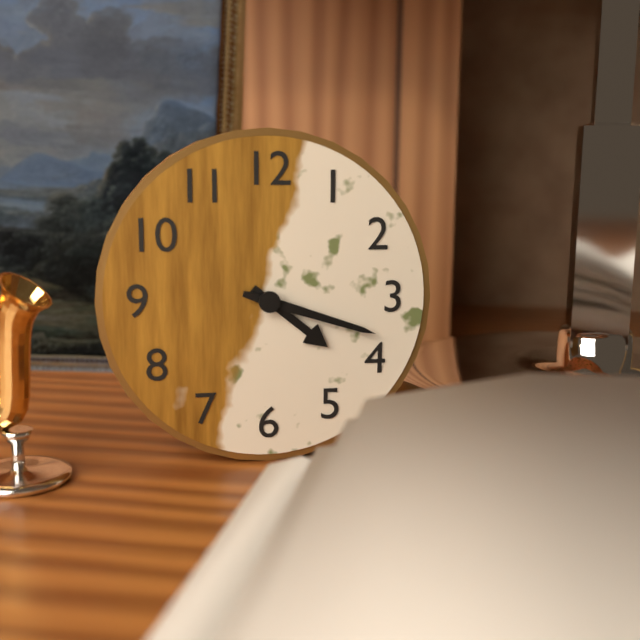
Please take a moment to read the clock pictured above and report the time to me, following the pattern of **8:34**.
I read **4:18**
